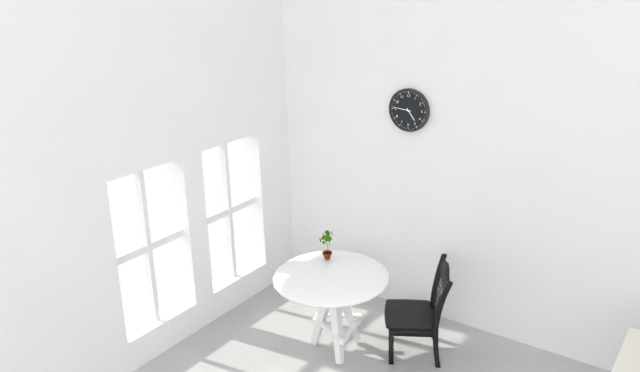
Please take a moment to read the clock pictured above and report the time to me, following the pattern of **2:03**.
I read **4:46**
